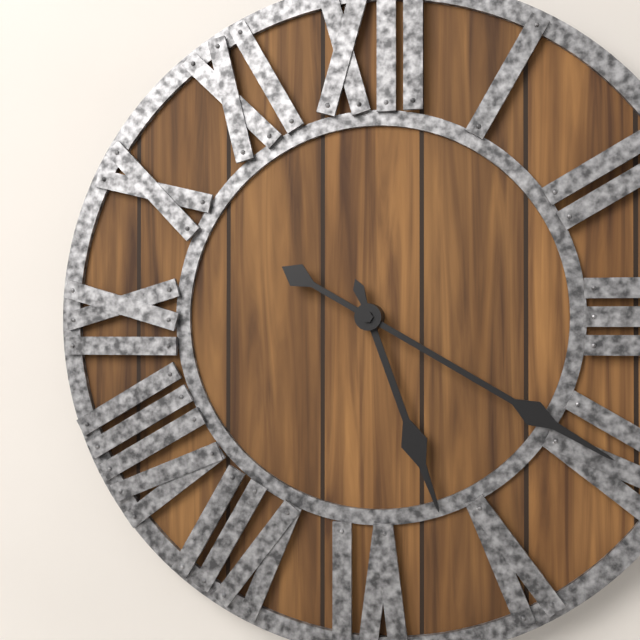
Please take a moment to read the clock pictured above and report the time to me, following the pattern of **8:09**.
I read **5:20**
